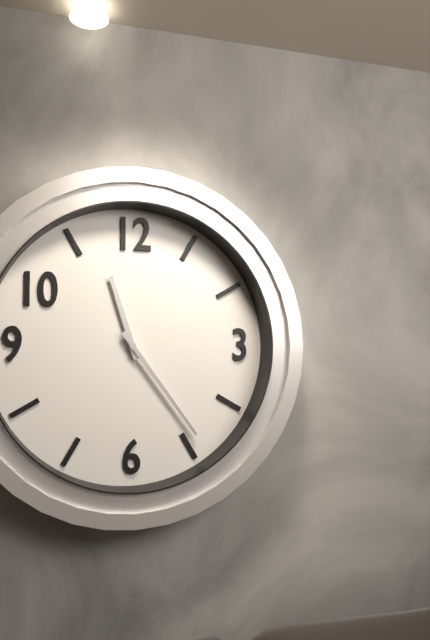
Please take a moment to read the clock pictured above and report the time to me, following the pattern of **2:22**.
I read **11:24**
